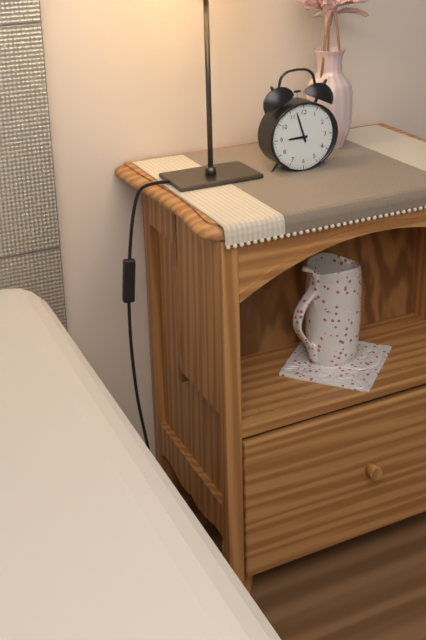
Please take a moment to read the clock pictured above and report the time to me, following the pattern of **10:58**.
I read **8:57**
